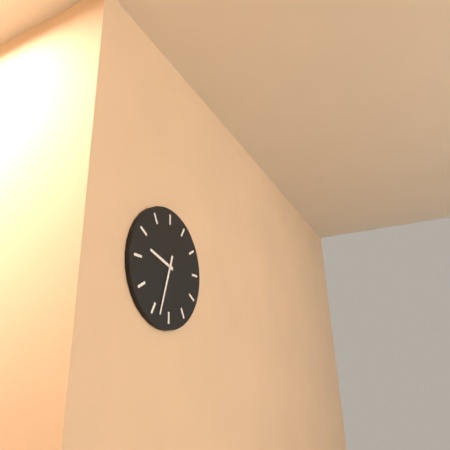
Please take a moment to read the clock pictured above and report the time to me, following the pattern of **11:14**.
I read **9:33**
